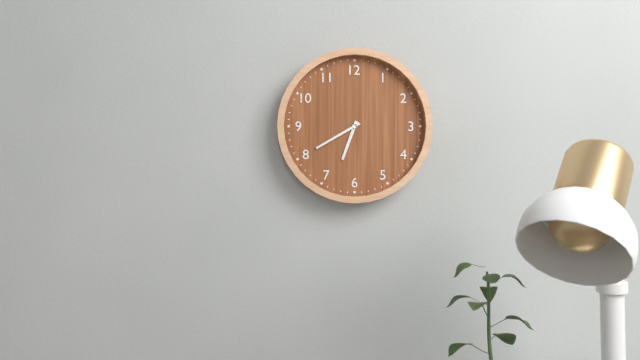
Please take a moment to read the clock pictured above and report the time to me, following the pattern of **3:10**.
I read **6:40**
